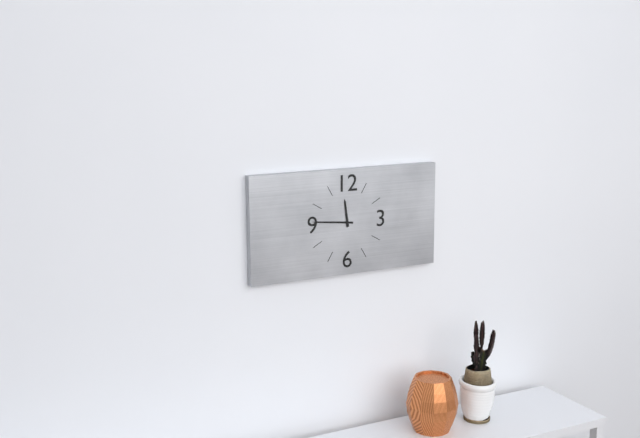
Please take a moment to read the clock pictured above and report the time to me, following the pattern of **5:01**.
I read **11:46**
